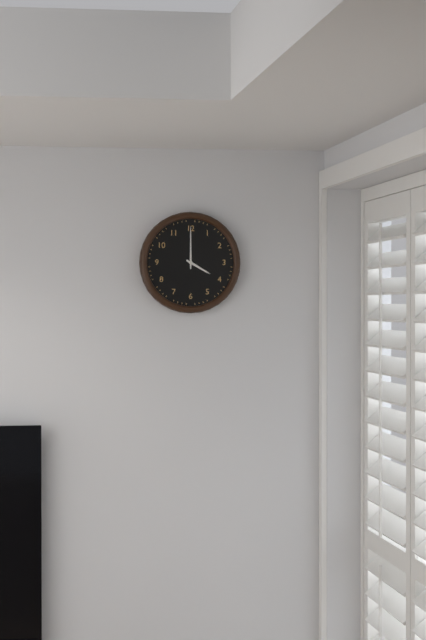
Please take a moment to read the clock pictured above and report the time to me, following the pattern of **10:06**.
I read **4:00**
